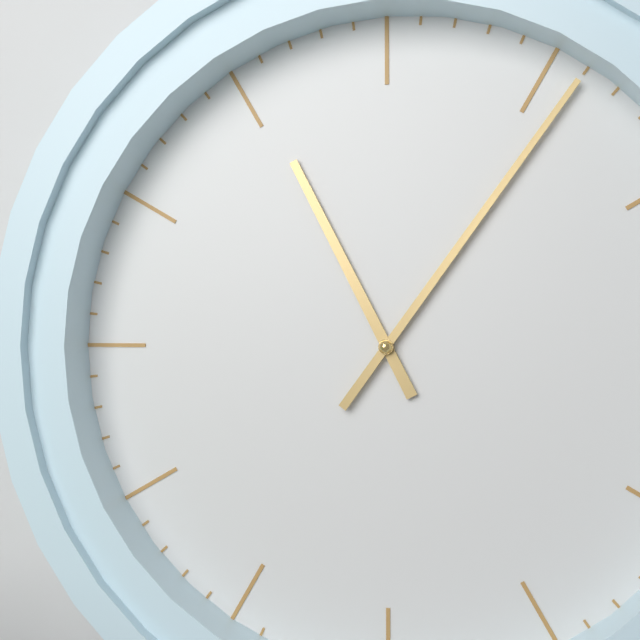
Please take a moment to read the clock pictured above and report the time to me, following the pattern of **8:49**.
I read **11:06**
